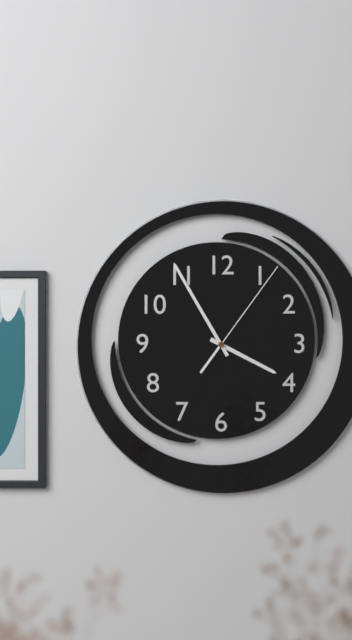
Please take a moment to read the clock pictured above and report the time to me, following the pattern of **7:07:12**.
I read **3:55:06**
